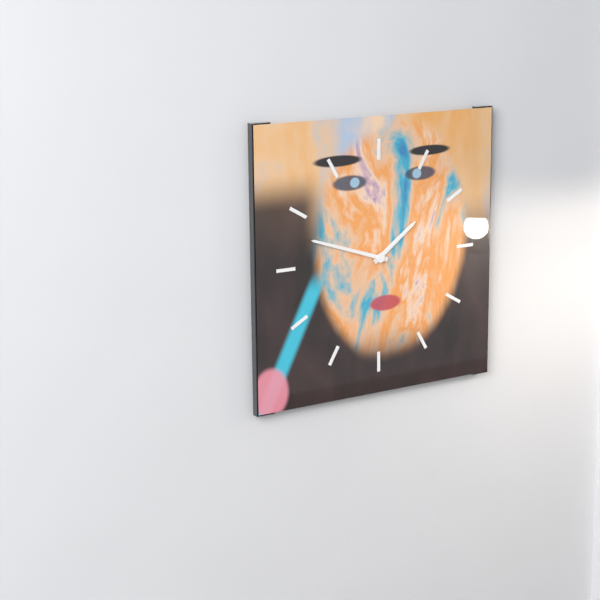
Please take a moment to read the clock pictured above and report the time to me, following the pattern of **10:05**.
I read **1:48**
